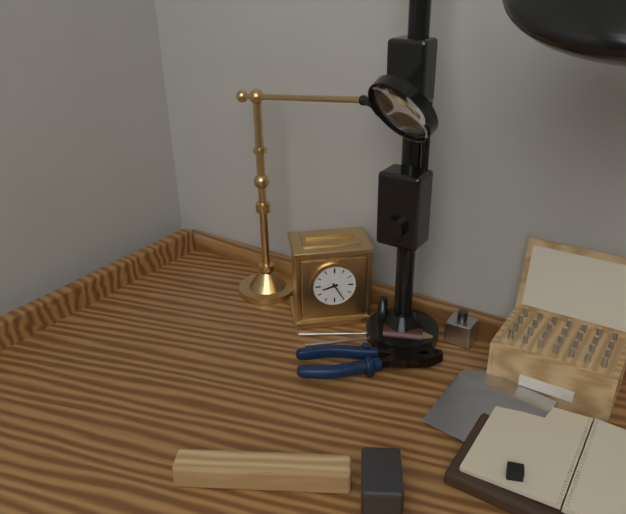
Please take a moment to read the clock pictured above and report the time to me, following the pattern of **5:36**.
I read **8:25**
